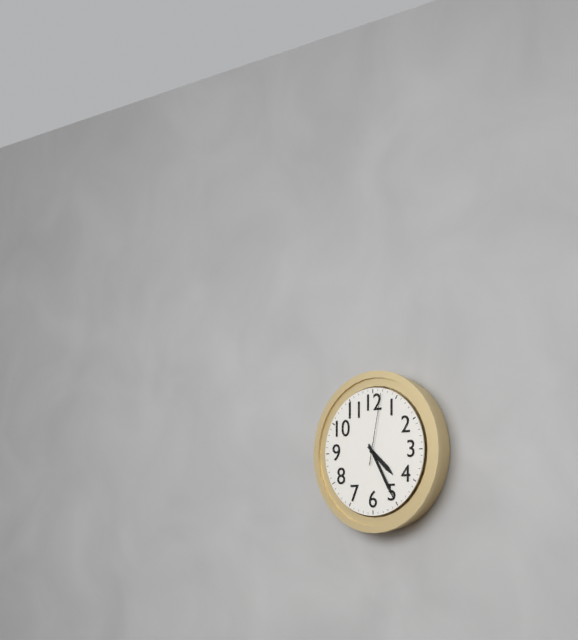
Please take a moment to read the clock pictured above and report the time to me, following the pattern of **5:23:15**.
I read **4:25:02**
